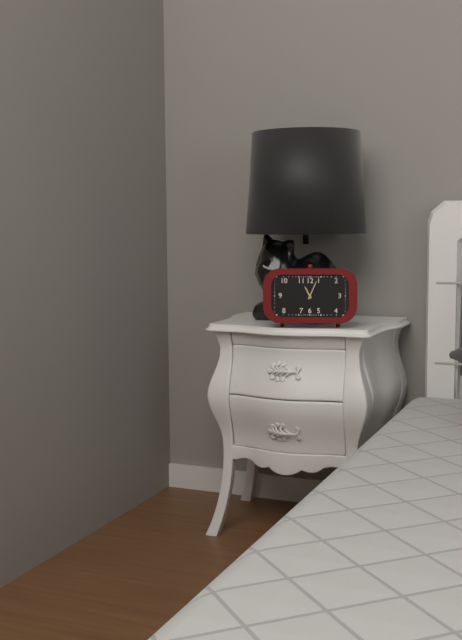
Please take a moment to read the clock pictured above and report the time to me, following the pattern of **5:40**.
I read **11:04**
